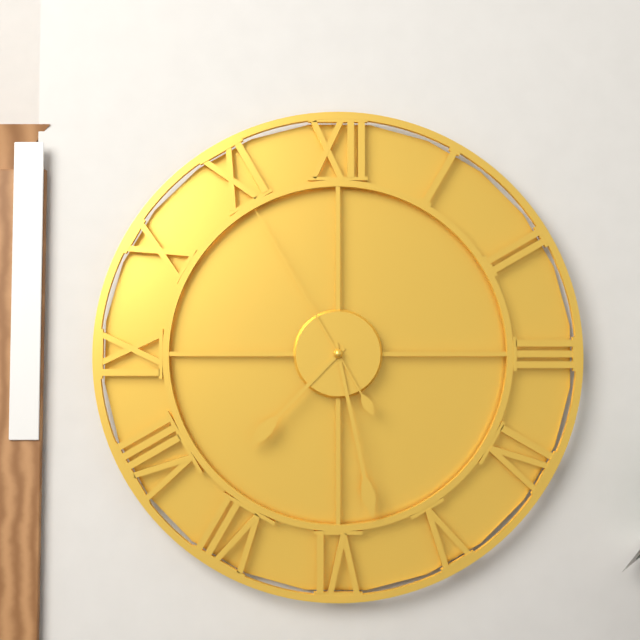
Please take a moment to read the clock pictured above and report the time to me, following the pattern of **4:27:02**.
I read **7:28:55**
